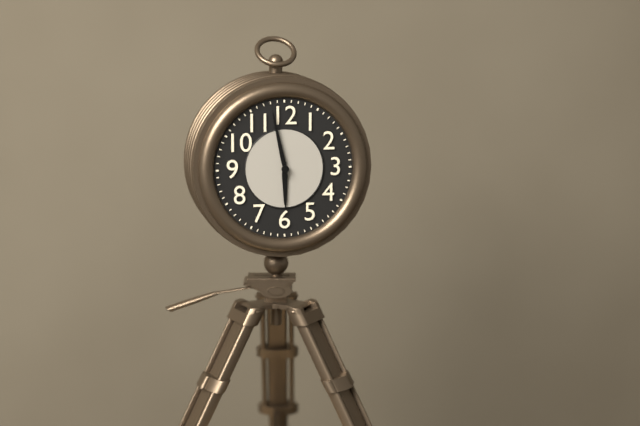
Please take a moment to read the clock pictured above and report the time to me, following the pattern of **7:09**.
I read **5:58**
